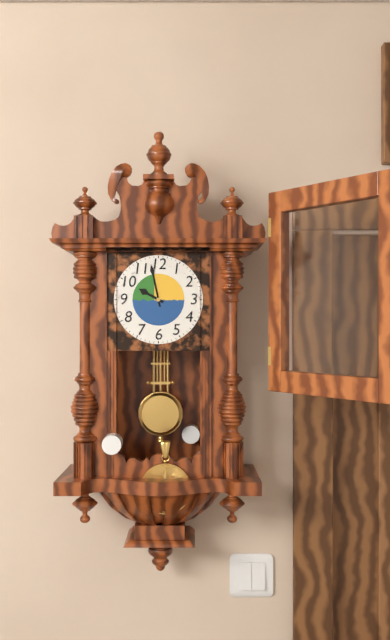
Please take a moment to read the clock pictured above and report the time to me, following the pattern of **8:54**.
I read **9:58**
